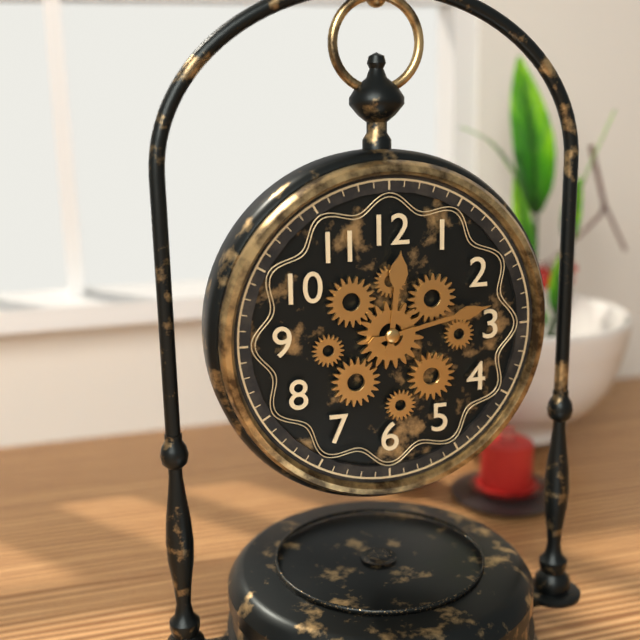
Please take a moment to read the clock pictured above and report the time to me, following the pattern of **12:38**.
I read **12:13**
